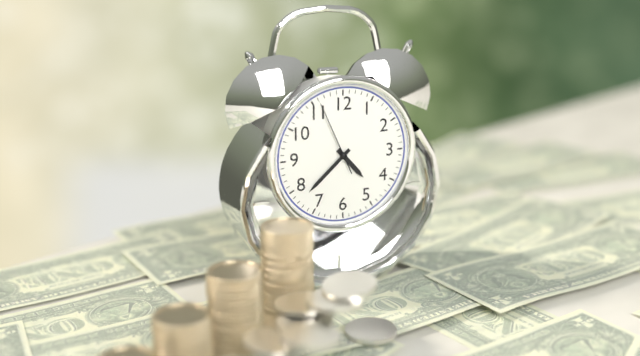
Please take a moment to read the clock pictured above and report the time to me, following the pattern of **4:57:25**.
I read **4:38:56**
